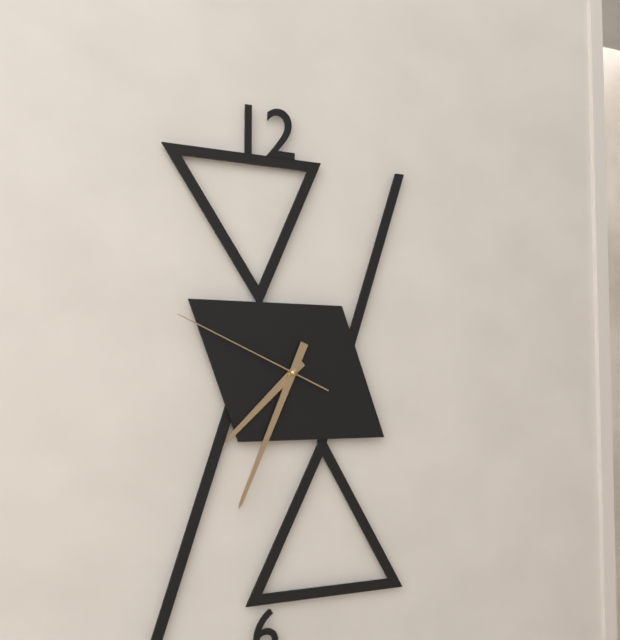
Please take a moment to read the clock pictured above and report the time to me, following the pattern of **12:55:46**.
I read **7:34:49**
